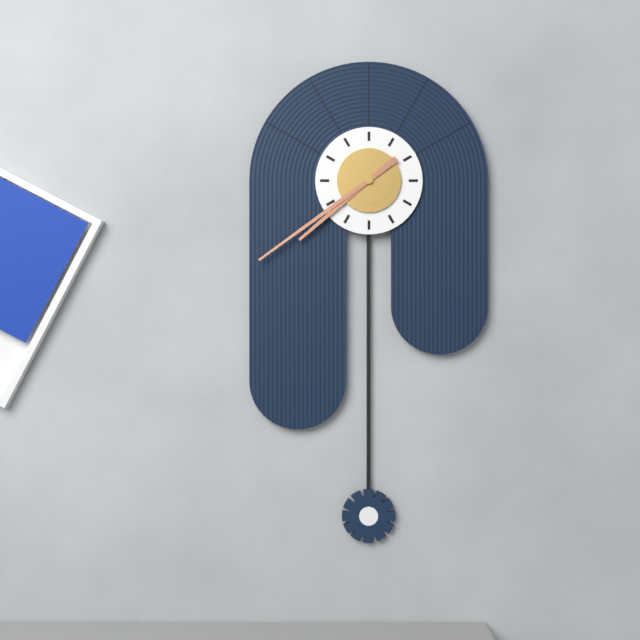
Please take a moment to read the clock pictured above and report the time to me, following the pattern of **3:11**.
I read **7:39**
